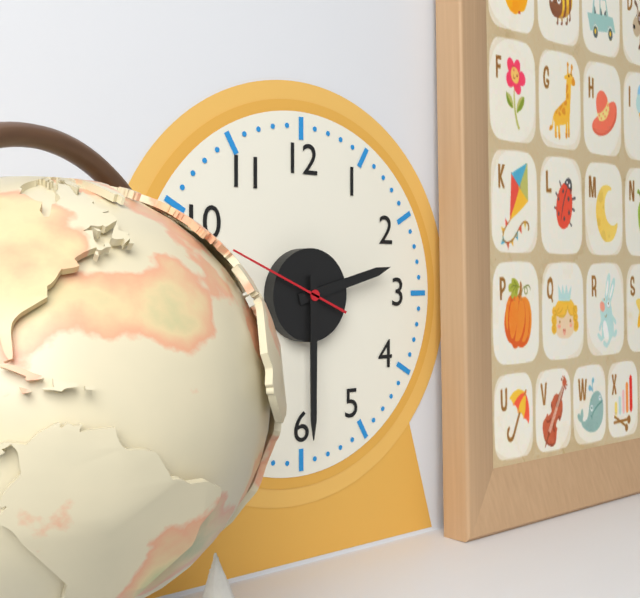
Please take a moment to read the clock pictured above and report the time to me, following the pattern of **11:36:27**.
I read **2:30:49**
